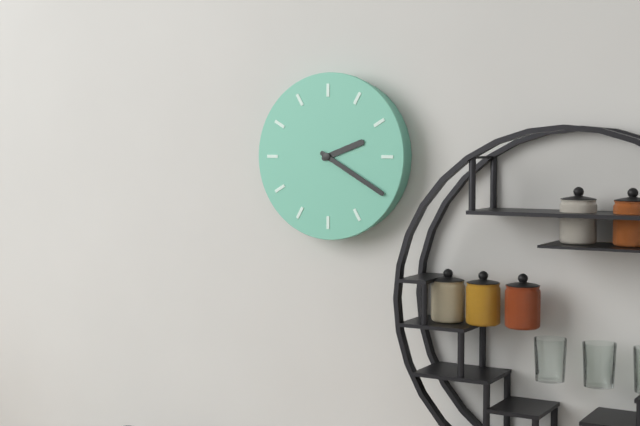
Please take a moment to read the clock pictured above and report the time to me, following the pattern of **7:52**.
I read **2:20**
